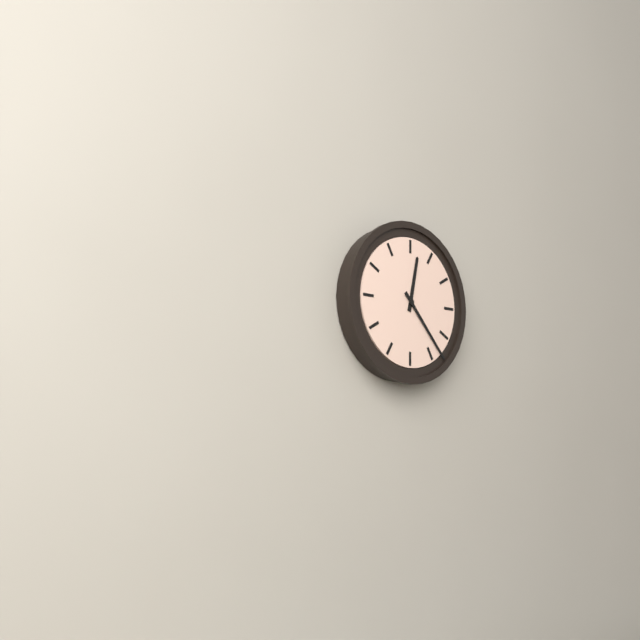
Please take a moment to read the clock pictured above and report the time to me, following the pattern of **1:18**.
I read **12:23**
